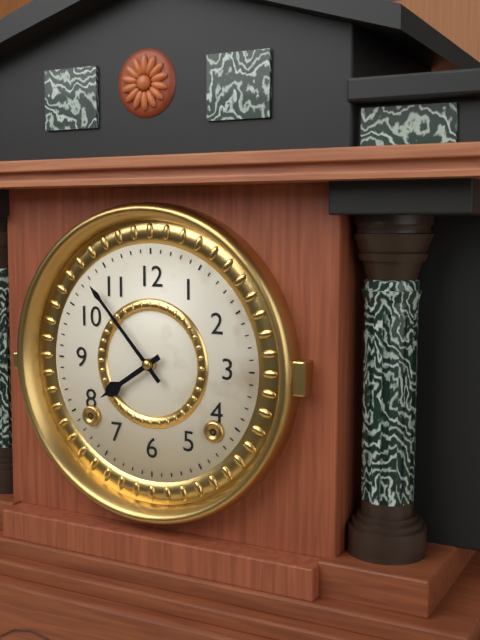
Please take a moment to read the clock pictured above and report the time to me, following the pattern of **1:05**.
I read **7:53**
